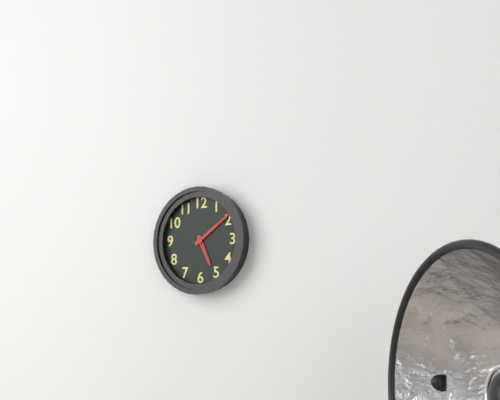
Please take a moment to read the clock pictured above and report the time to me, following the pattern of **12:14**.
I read **5:09**
